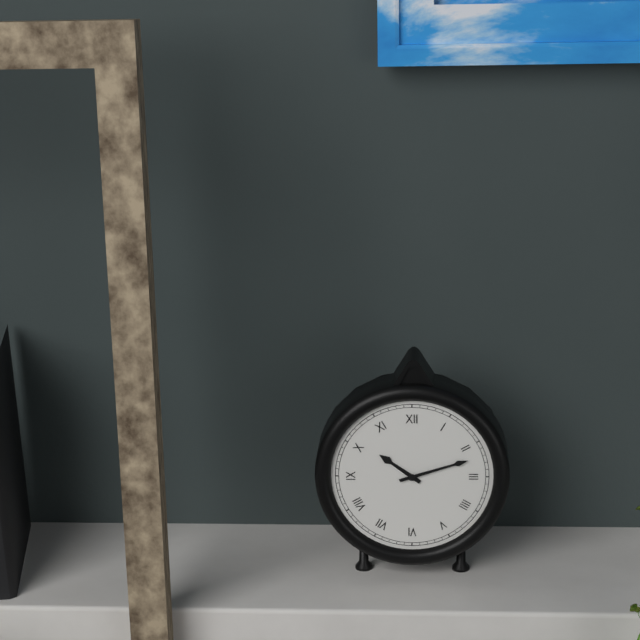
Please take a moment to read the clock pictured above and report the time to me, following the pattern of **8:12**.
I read **10:12**
